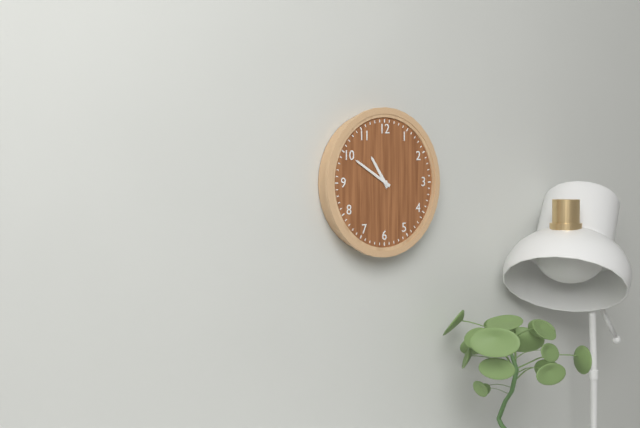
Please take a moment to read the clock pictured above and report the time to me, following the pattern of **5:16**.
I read **10:50**
